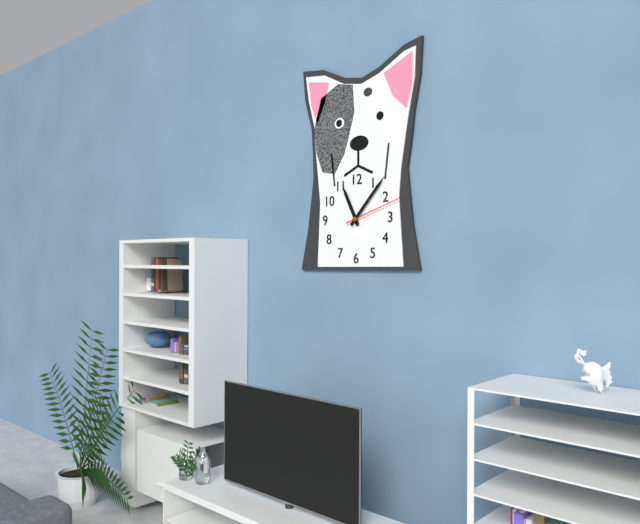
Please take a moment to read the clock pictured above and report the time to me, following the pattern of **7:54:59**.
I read **11:07:12**
